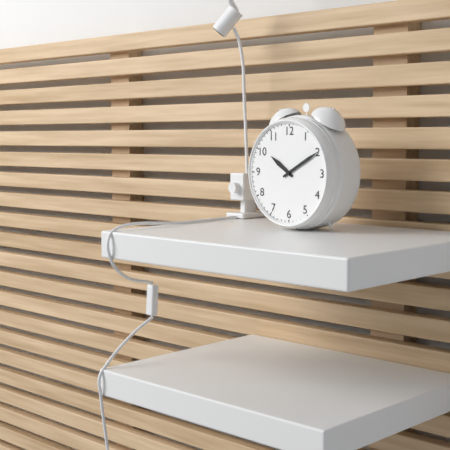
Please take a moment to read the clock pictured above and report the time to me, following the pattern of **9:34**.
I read **10:10**
